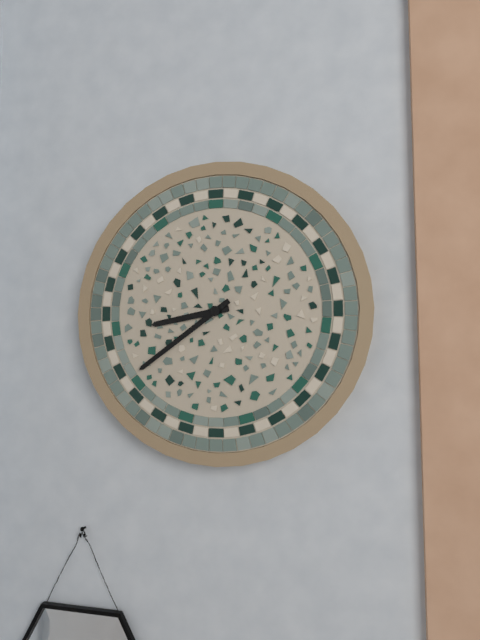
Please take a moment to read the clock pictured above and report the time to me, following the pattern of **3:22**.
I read **8:39**
